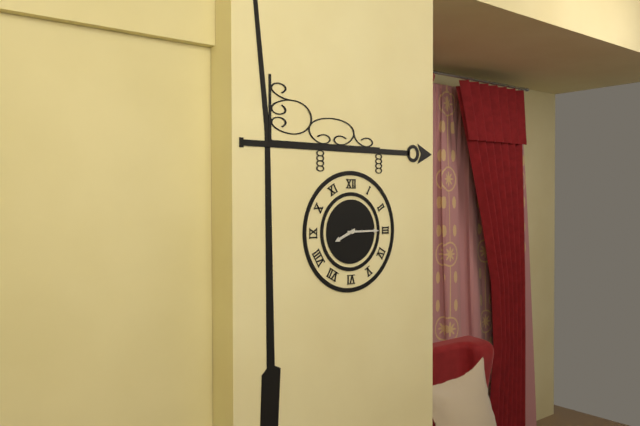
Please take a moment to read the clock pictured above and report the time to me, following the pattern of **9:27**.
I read **8:15**
